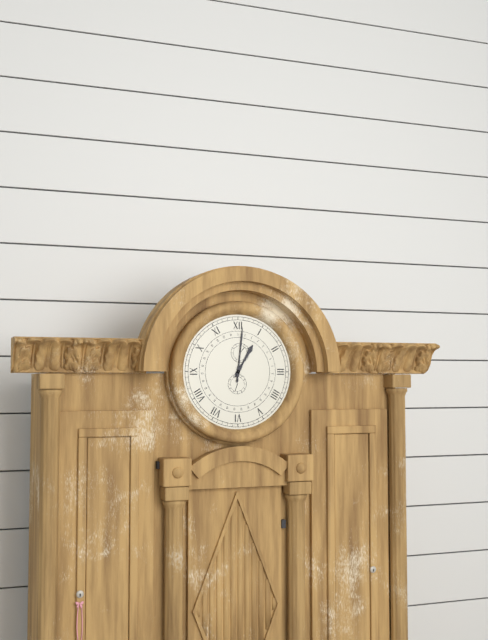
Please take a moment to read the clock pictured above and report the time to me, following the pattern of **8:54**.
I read **1:01**
